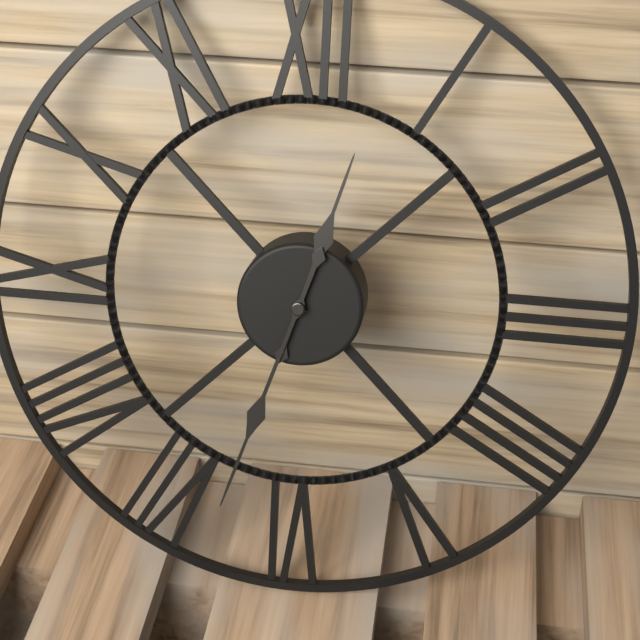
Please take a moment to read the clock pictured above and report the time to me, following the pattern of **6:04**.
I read **12:33**
